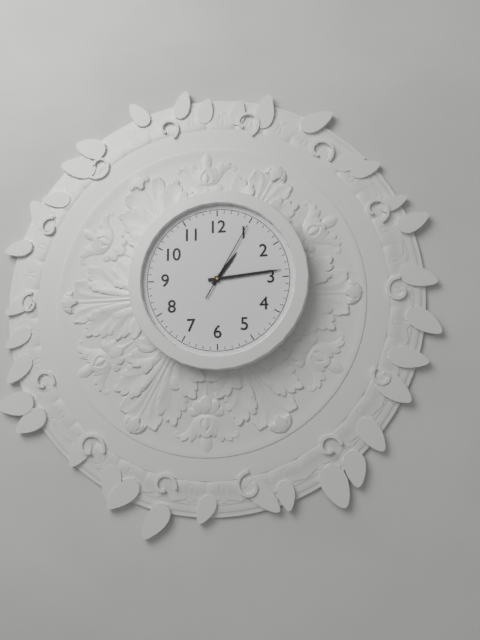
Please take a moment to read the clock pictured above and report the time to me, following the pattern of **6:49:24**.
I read **1:14:05**
